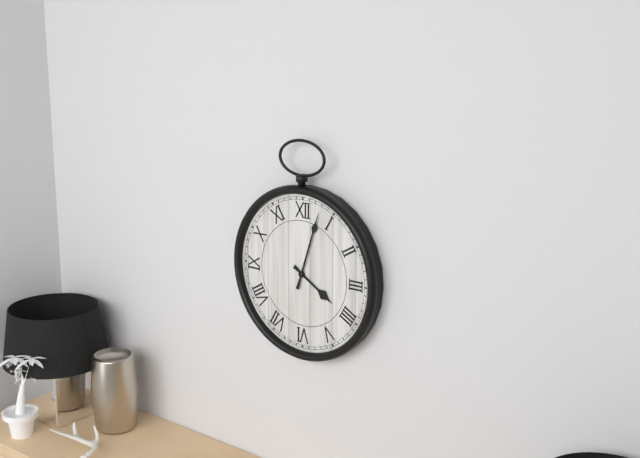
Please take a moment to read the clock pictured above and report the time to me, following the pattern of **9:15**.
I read **4:03**
